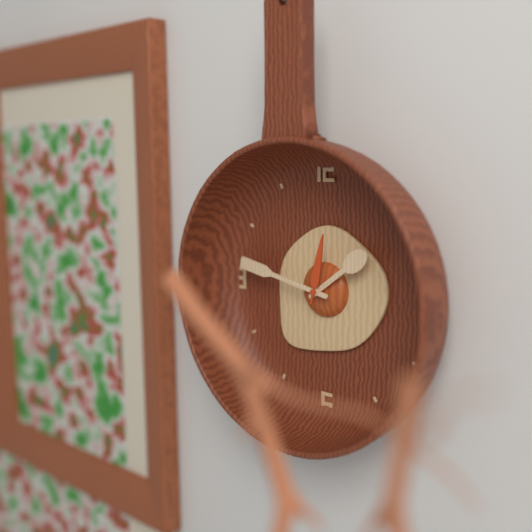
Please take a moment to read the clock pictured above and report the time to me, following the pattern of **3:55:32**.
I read **1:47:02**
